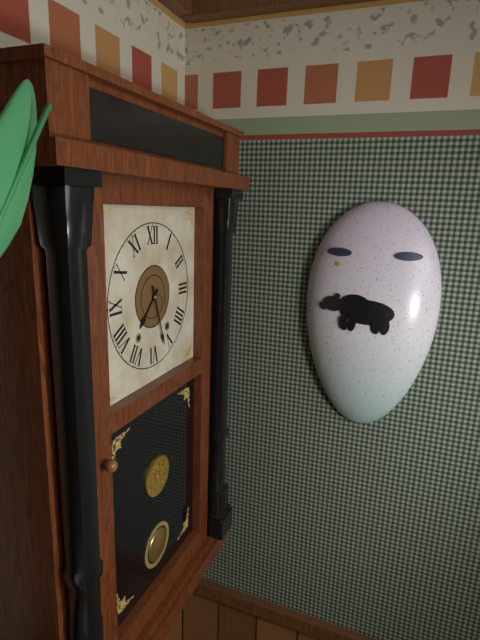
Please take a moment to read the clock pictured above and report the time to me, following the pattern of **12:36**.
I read **7:27**
